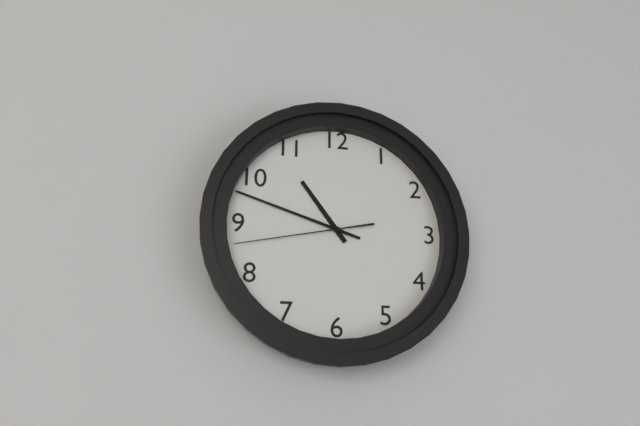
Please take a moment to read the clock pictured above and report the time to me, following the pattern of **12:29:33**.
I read **10:48:43**
